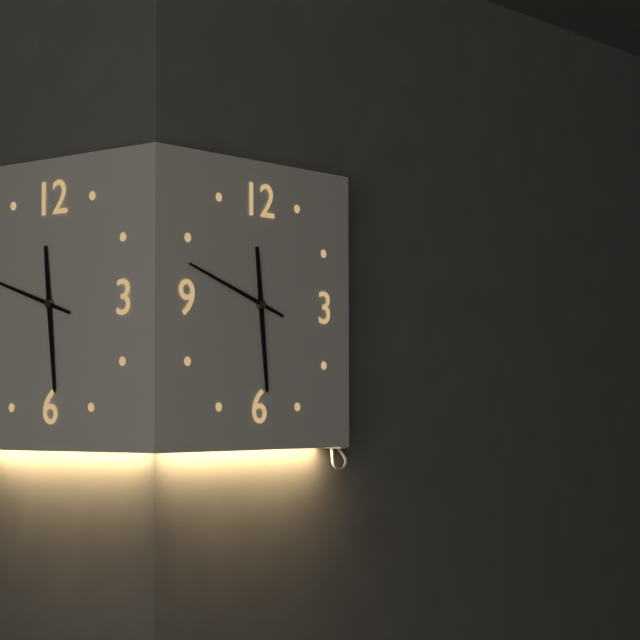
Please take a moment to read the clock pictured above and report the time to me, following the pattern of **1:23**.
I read **5:48**
